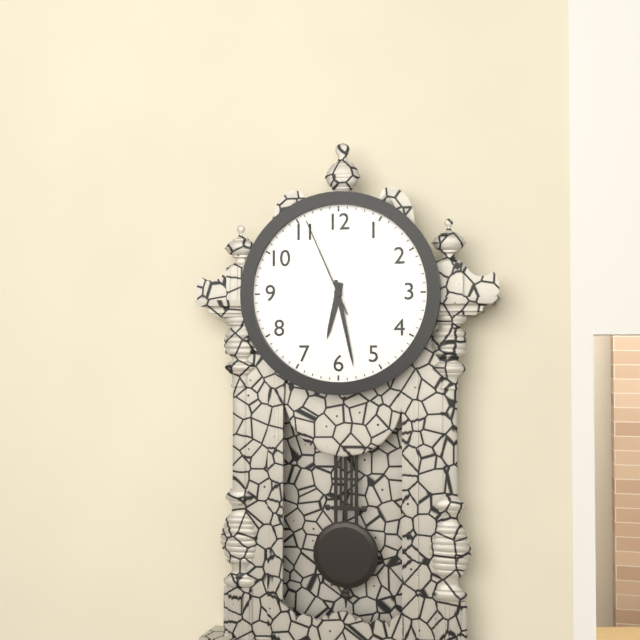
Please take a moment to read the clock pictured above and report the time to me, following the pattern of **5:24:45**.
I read **6:28:56**
